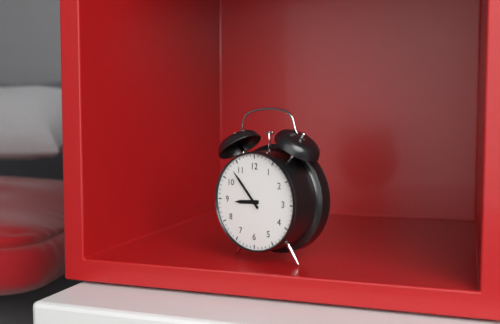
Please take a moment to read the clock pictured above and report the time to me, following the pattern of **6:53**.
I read **8:53**
